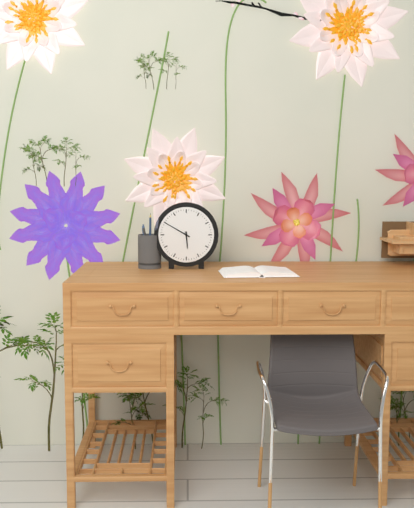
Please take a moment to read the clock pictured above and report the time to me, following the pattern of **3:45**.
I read **5:50**
